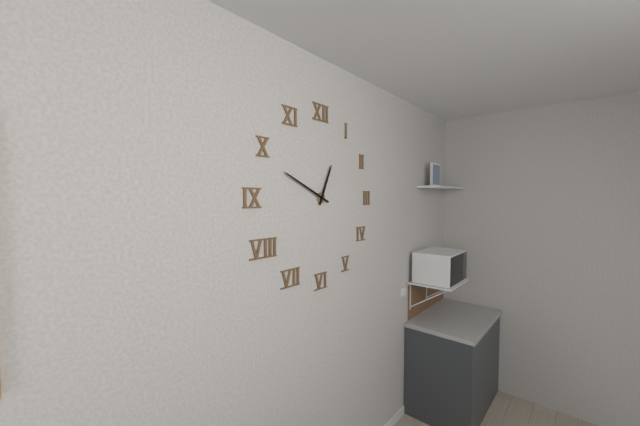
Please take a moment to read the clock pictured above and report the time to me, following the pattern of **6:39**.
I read **12:49**
